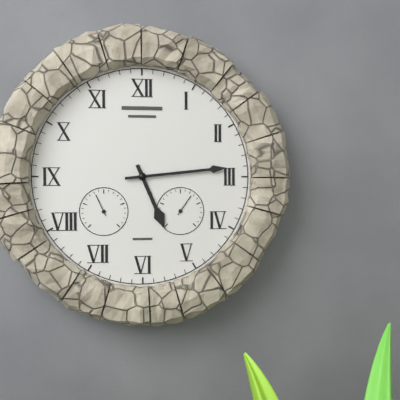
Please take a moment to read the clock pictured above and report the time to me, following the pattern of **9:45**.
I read **5:14**
